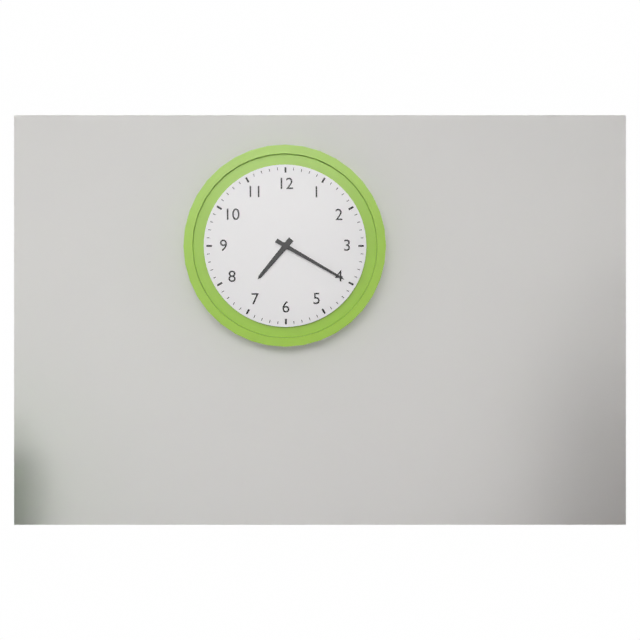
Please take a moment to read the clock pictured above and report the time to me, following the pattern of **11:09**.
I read **7:20**
